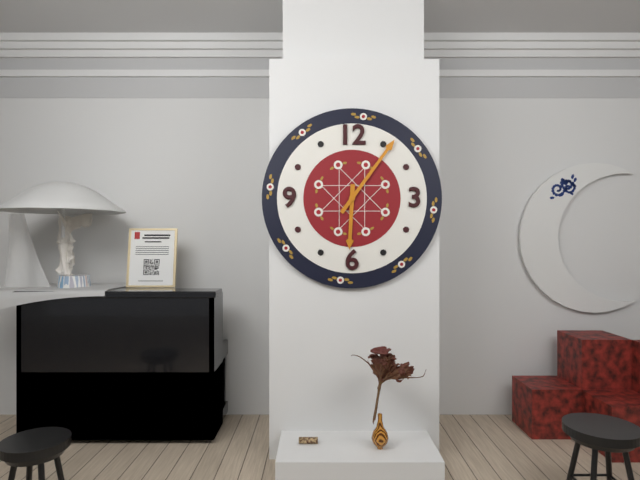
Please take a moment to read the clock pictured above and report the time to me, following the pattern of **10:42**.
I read **6:06**
